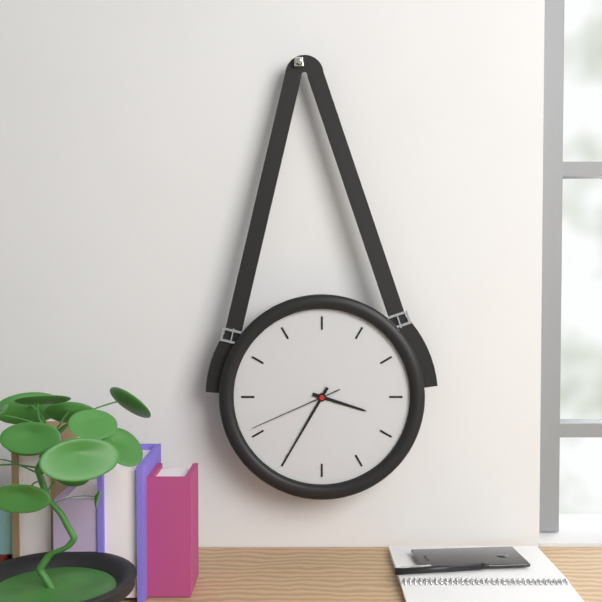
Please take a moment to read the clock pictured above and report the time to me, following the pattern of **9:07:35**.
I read **3:35:41**
